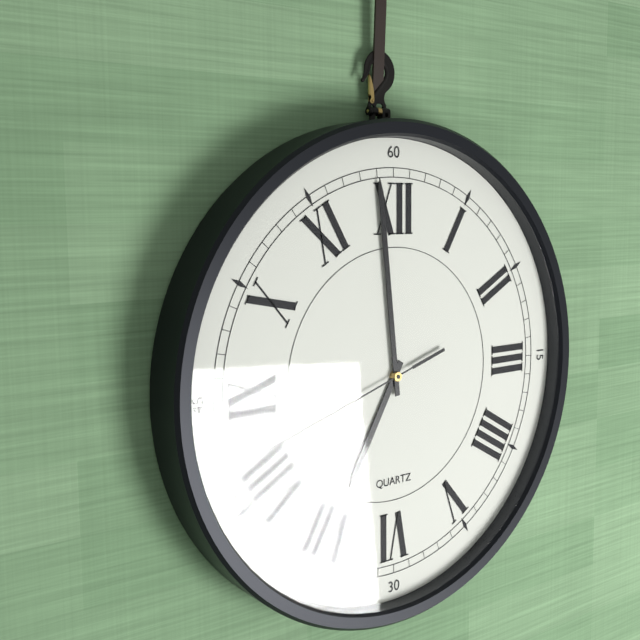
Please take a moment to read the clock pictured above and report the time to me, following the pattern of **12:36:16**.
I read **6:59:42**
